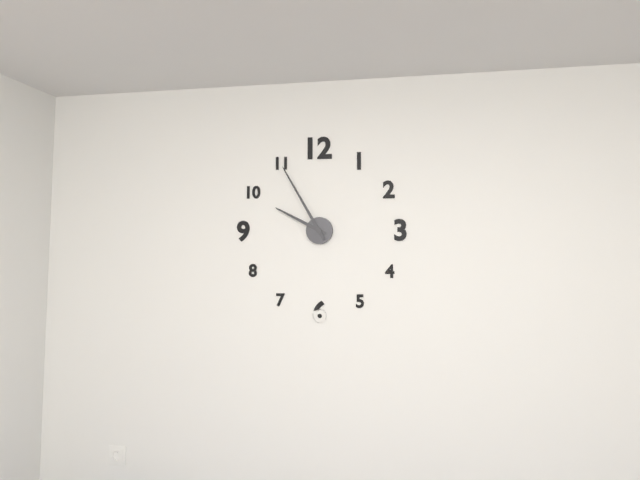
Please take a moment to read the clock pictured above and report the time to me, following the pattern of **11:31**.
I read **9:55**
